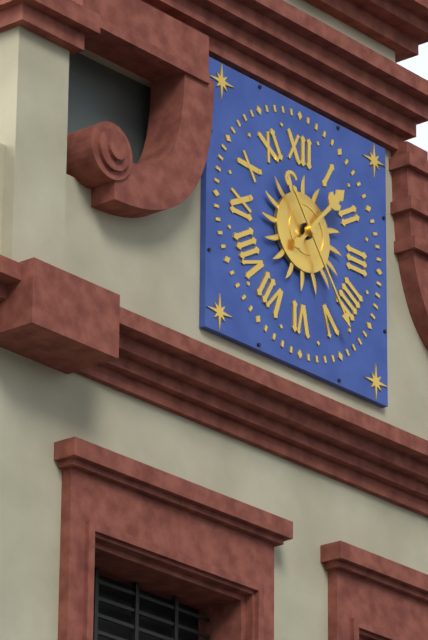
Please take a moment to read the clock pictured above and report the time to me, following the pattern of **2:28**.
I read **1:24**
